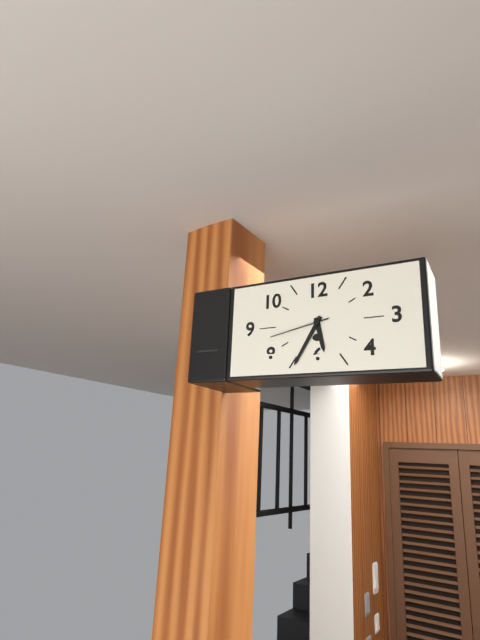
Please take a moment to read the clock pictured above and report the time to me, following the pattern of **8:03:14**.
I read **5:35:43**
